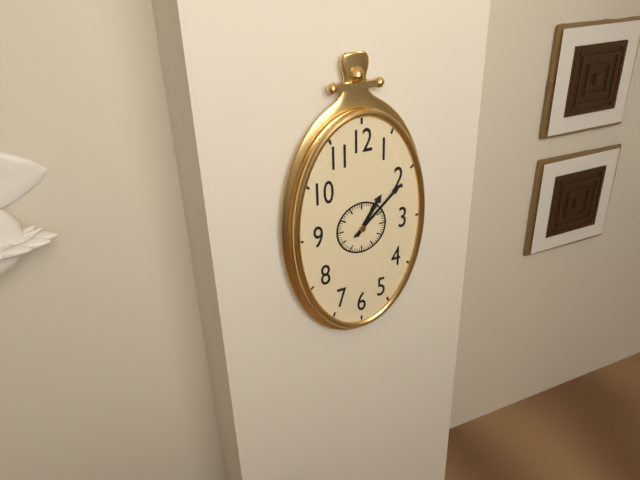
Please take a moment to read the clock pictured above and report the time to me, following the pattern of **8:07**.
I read **1:08**
